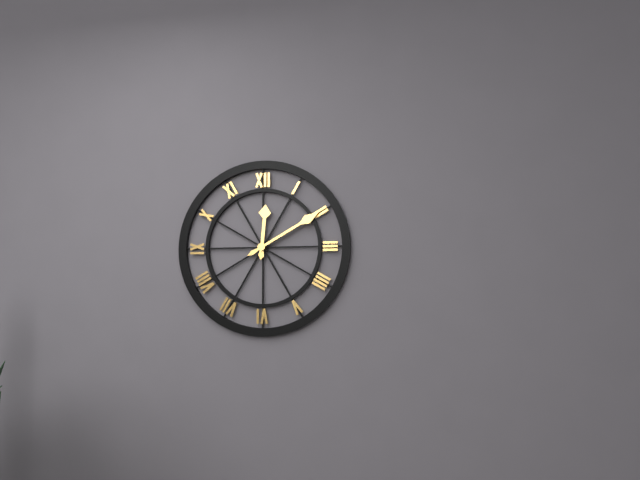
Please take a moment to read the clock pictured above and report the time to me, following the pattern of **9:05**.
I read **12:10**
